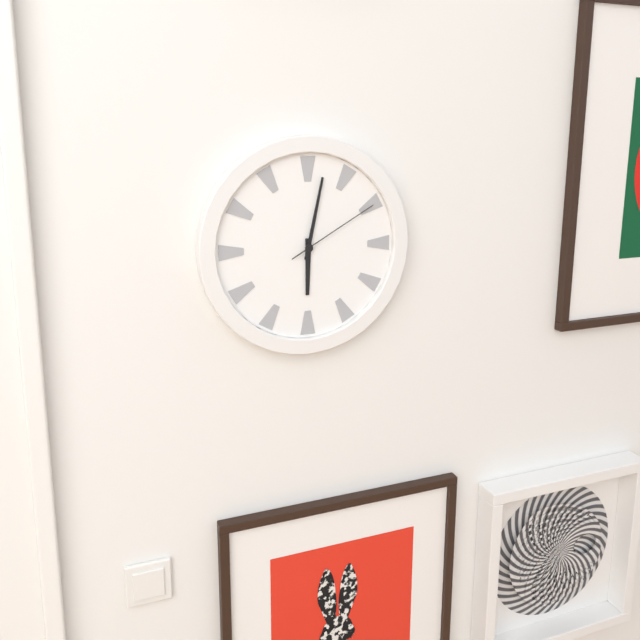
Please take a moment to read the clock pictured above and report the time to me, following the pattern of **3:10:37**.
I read **6:02:10**
